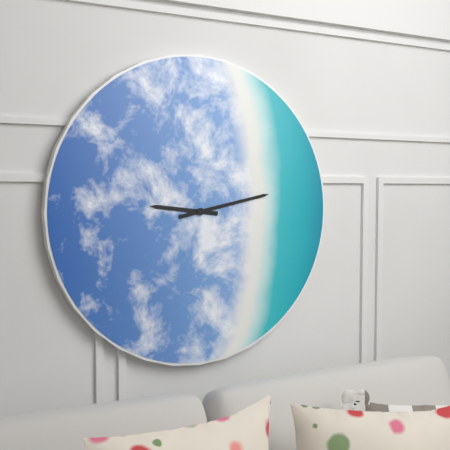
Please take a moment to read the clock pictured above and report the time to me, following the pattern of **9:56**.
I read **9:13**
